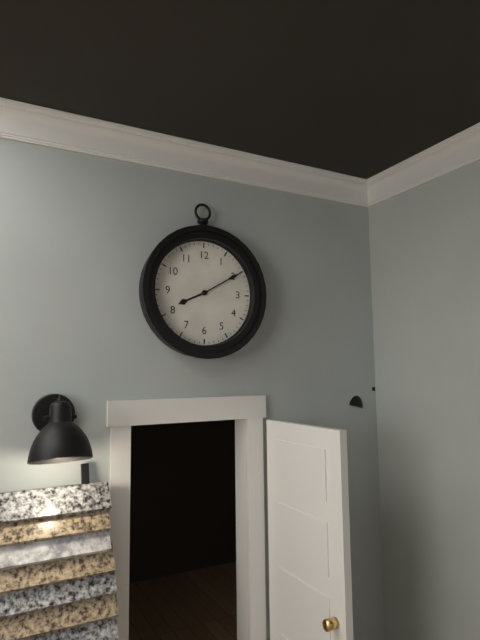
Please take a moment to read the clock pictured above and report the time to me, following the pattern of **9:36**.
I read **8:10**
